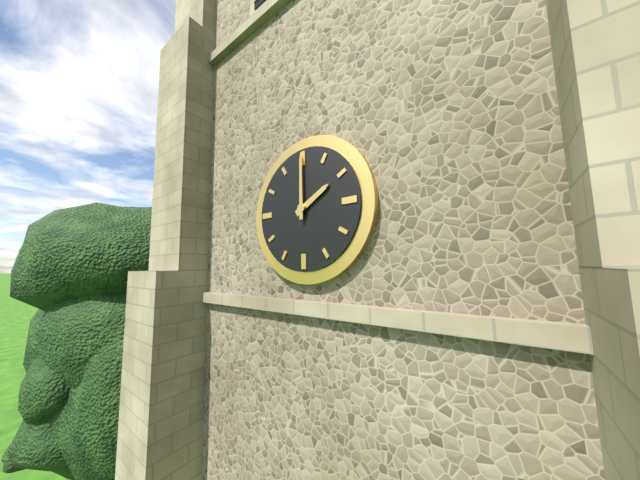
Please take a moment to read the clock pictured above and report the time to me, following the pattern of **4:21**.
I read **2:00**
